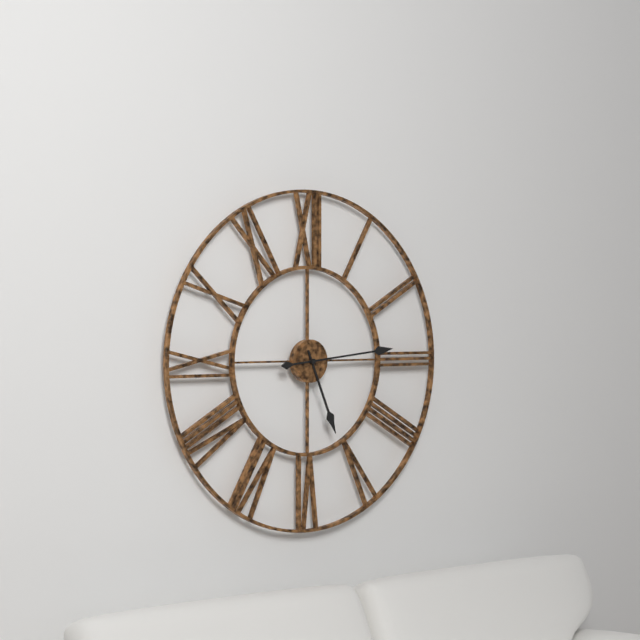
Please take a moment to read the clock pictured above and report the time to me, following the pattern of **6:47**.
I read **5:14**
